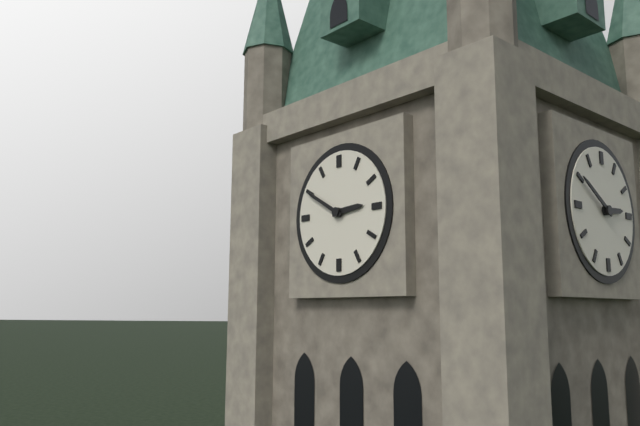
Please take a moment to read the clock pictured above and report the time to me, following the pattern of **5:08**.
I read **2:50**
